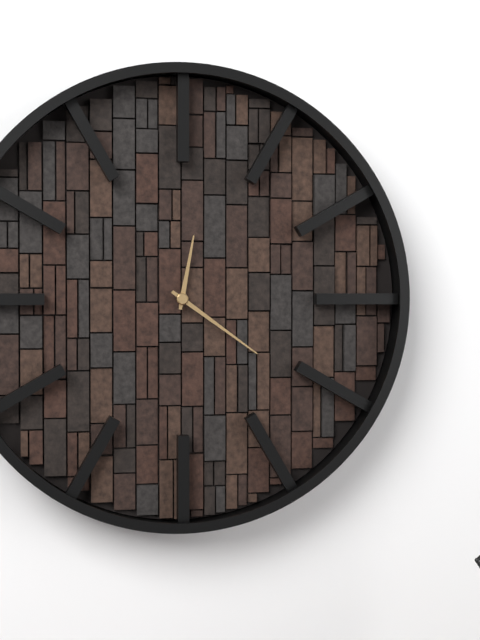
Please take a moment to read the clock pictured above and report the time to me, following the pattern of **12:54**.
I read **12:21**
